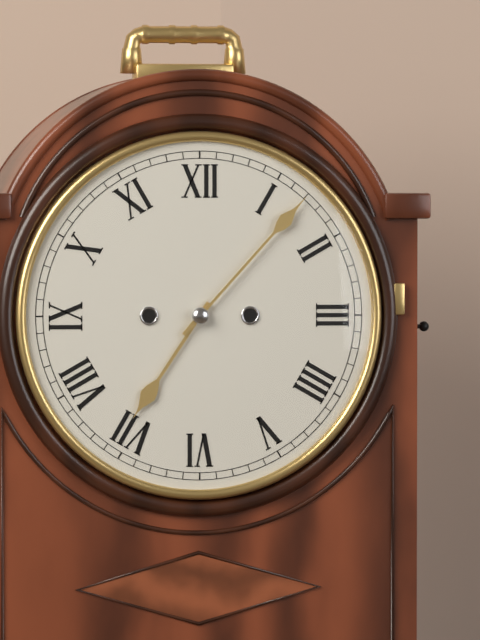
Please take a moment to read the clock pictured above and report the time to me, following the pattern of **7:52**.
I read **7:07**
